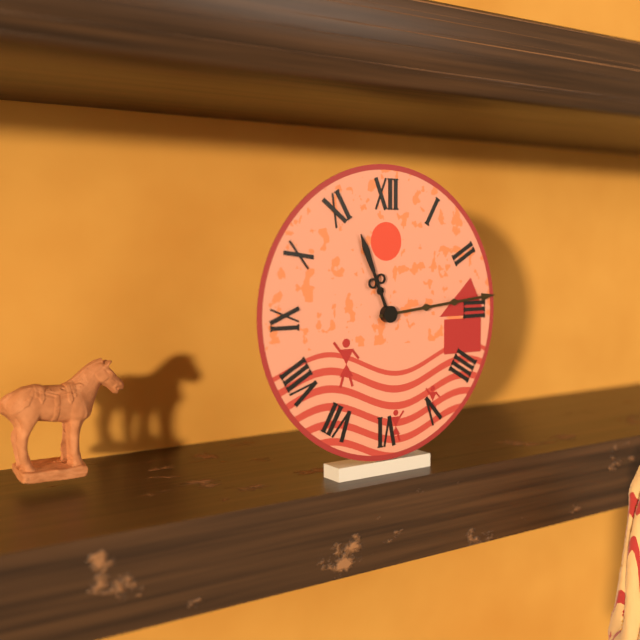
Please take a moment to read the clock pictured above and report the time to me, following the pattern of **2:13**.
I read **11:14**
